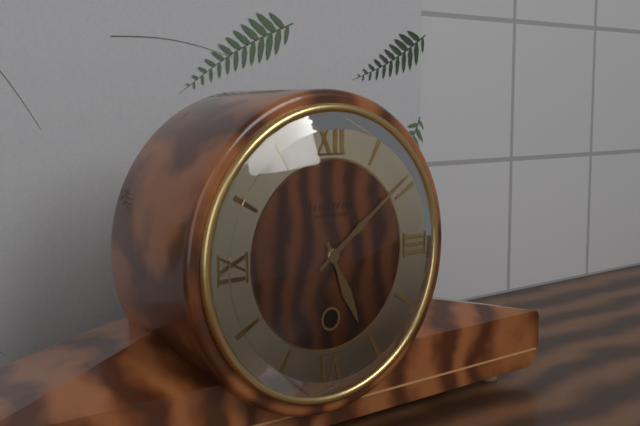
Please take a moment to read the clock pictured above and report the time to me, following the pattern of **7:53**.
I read **5:09**
